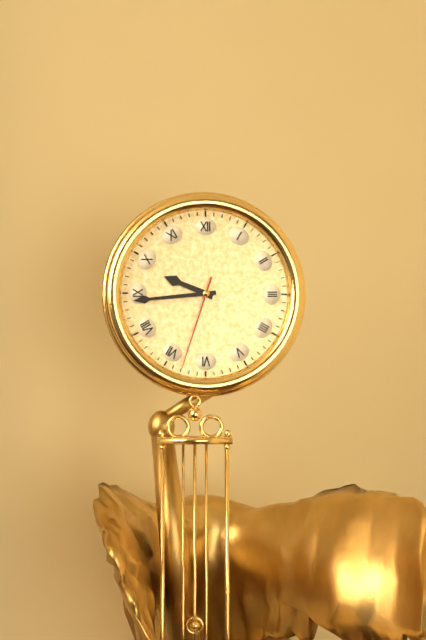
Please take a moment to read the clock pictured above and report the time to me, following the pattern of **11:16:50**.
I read **9:44:33**
